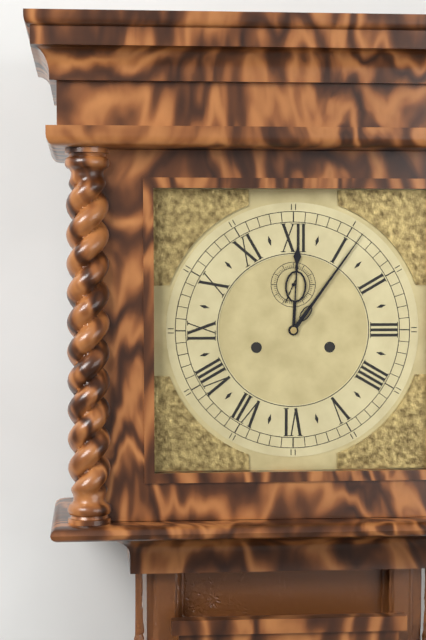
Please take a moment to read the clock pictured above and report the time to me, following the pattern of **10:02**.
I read **12:06**
